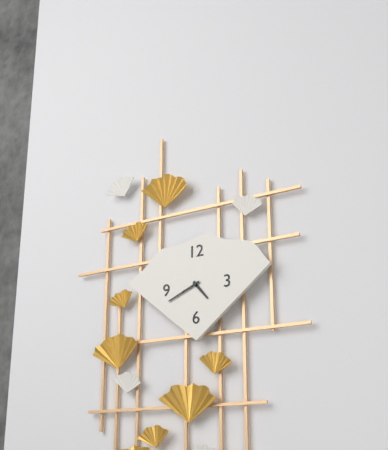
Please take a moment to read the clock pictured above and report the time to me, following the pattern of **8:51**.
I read **4:41**
